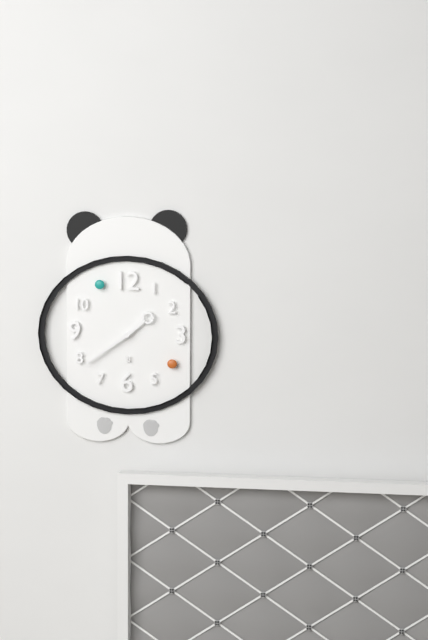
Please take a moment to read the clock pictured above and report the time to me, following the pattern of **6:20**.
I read **1:39**
